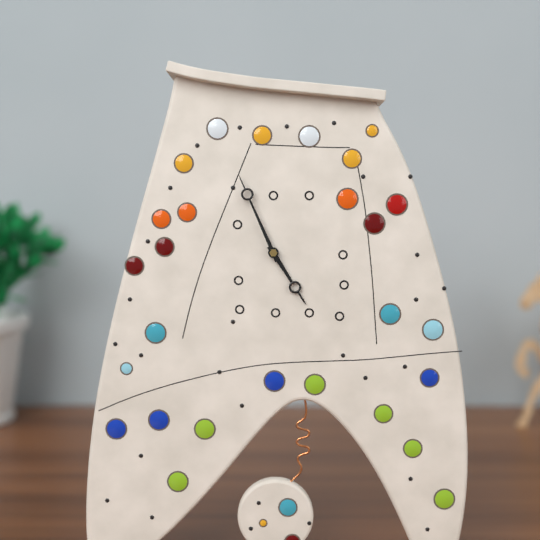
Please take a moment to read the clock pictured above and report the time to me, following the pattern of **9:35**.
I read **4:56**
